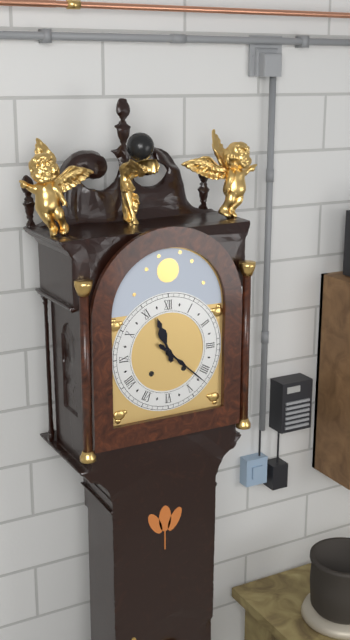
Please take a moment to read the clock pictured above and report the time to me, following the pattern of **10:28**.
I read **11:22**
